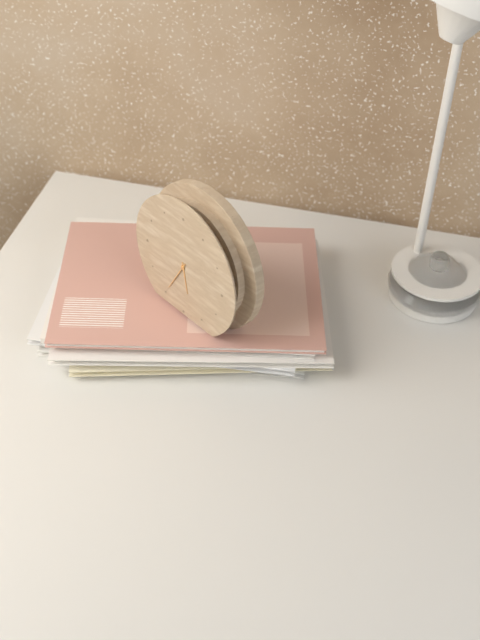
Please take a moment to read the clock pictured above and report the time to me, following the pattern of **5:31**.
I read **5:35**
